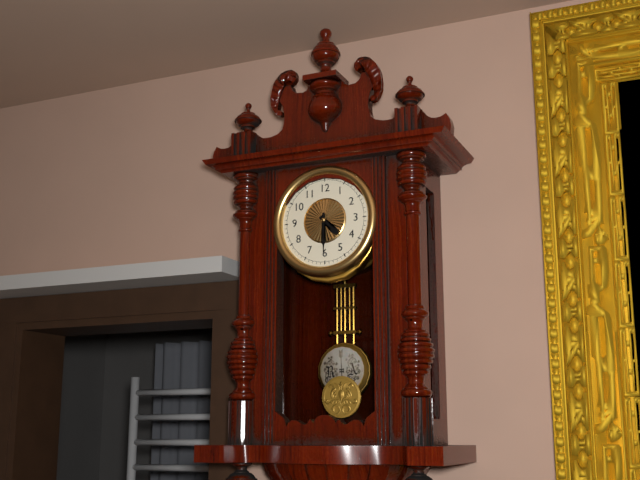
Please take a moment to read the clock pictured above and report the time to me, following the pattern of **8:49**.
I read **4:30**
